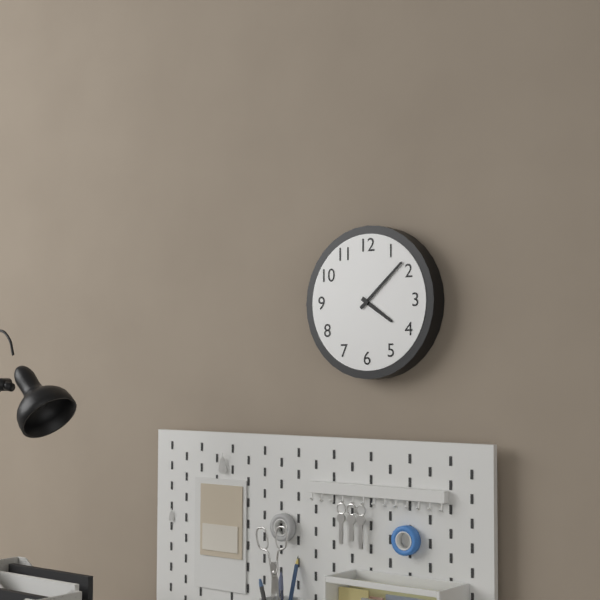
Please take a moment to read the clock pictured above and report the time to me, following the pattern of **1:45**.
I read **4:08**
